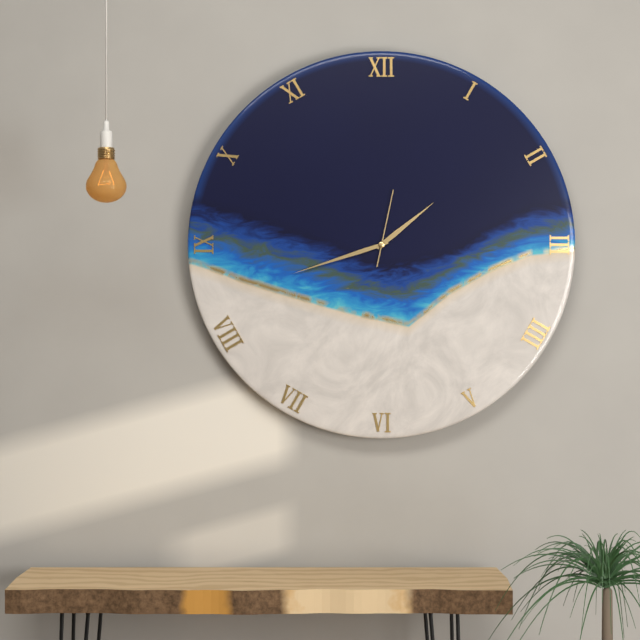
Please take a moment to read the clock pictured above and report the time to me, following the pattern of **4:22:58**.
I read **1:42:02**
